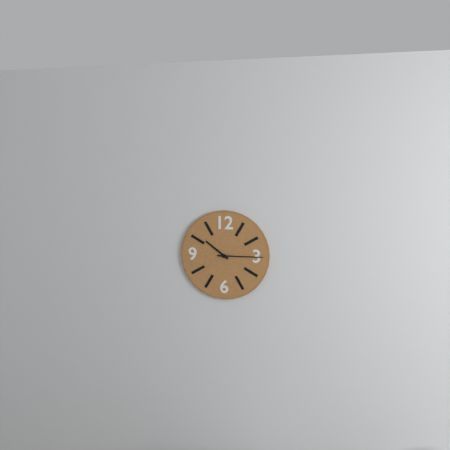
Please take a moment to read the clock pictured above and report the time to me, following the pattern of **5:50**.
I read **10:15**
